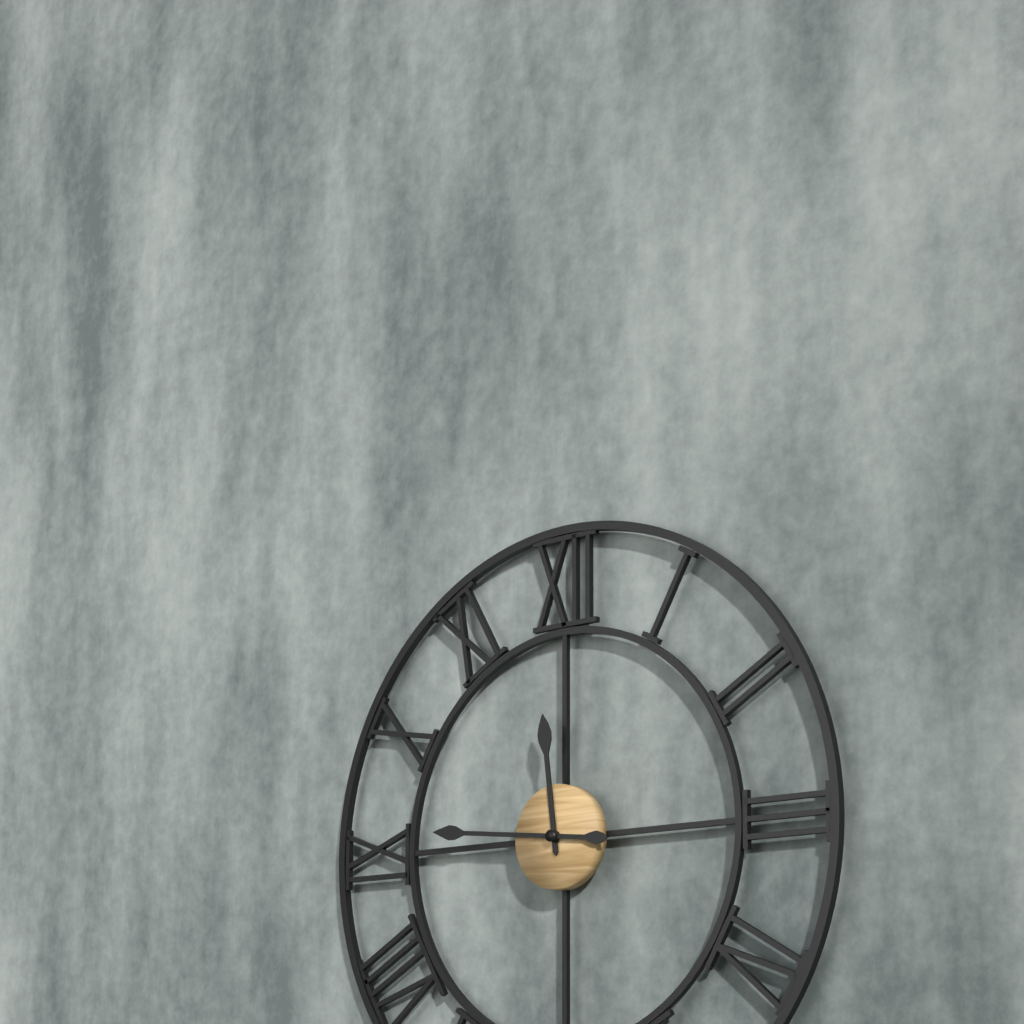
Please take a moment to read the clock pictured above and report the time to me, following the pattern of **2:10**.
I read **11:46**
